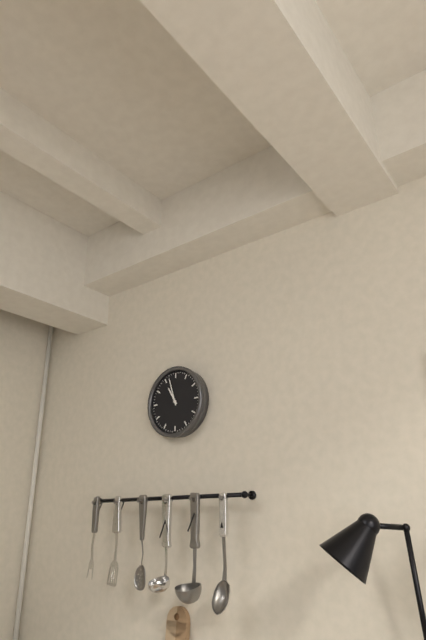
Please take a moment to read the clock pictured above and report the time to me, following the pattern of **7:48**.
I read **10:57**
